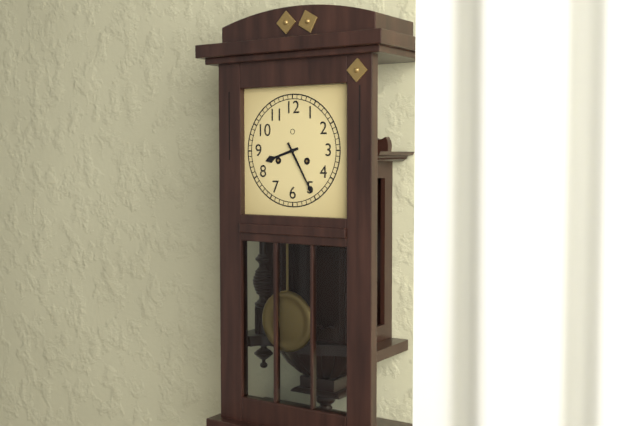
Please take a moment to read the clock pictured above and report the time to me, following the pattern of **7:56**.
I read **8:25**
